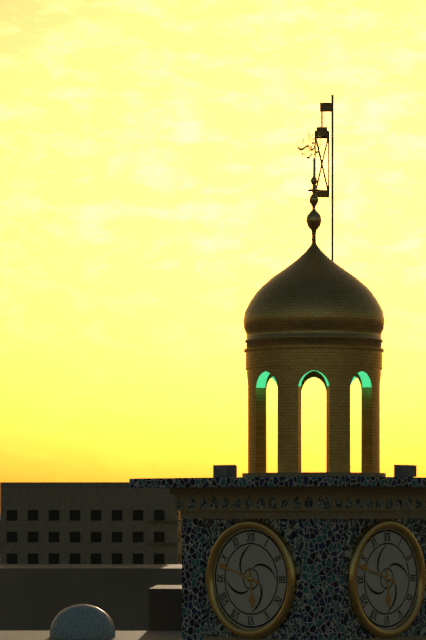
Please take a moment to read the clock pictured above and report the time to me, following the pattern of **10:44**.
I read **5:48**
